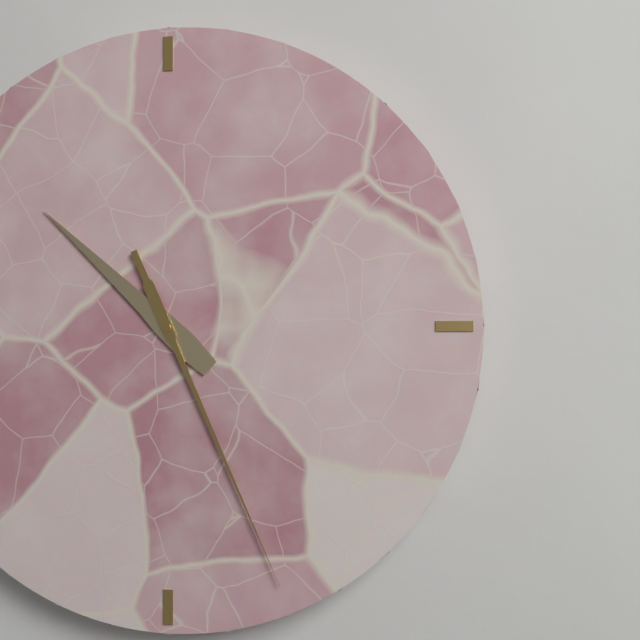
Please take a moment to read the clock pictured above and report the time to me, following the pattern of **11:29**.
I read **10:26**
